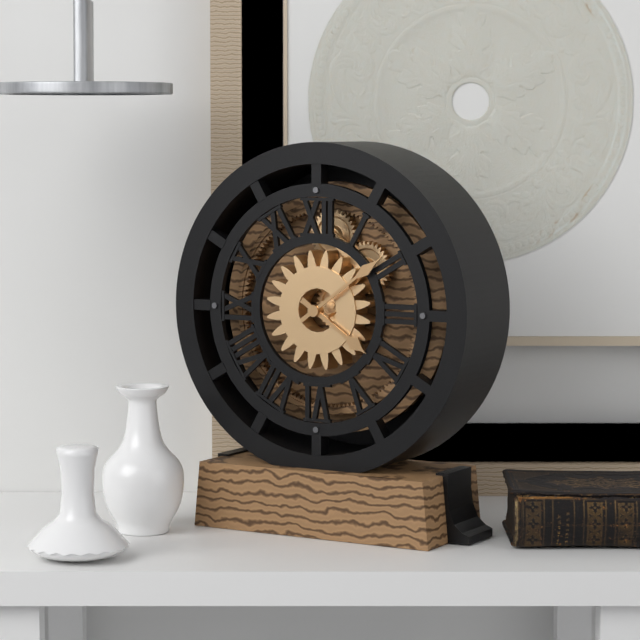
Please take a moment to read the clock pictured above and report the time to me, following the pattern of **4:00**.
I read **4:09**
